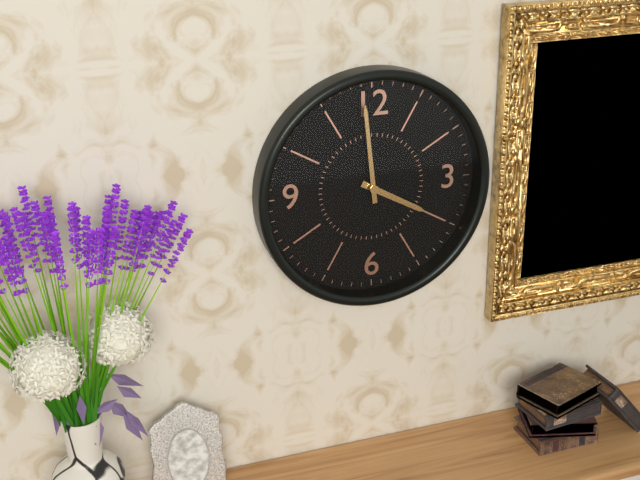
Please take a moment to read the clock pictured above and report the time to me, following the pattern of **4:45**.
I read **3:59**
